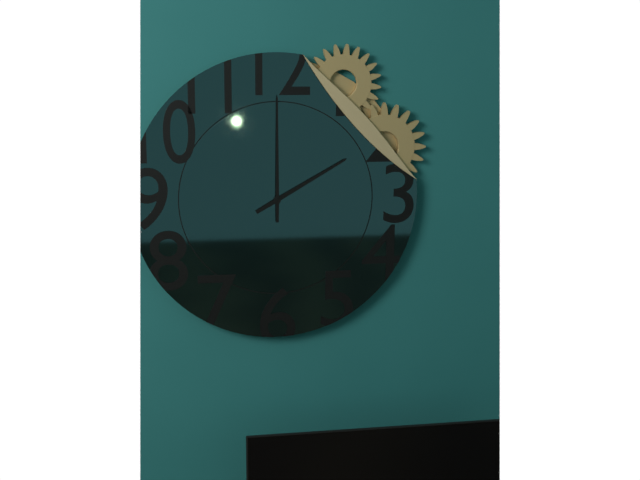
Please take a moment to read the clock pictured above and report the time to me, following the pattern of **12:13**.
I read **2:00**
